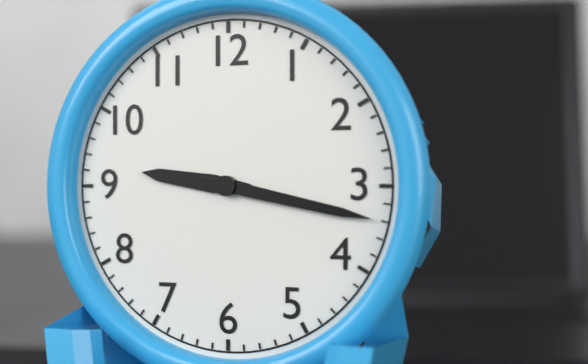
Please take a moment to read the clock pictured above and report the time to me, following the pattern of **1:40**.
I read **9:17**
